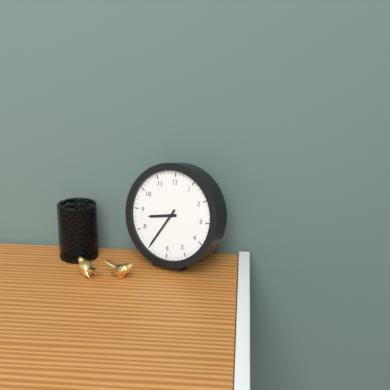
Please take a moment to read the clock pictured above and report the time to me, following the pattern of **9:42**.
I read **8:35**
